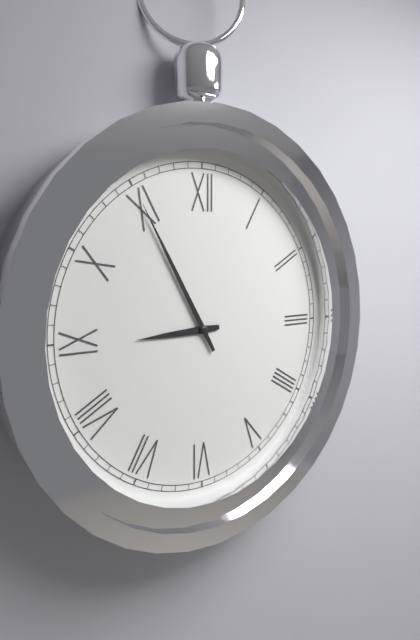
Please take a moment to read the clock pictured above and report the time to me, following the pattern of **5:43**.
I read **8:55**
